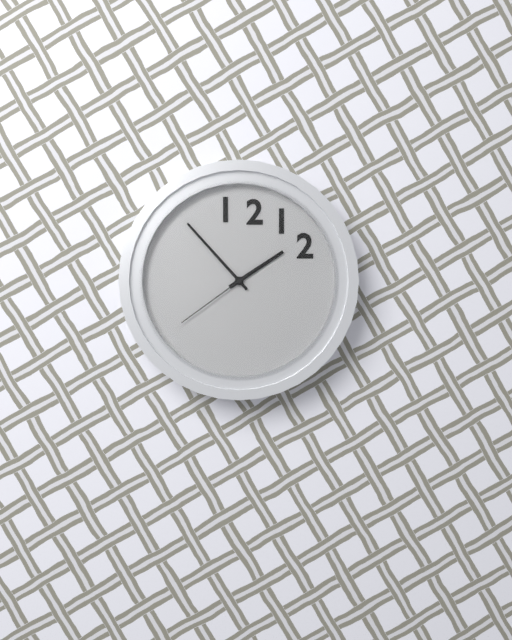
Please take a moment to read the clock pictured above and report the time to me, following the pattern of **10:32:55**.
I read **1:53:39**
